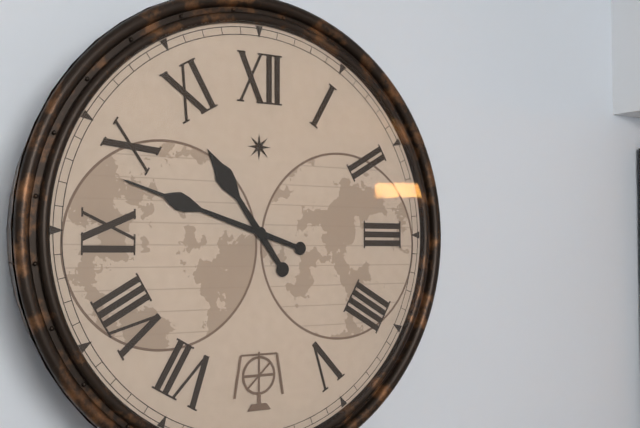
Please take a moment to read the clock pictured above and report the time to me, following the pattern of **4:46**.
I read **10:48**
